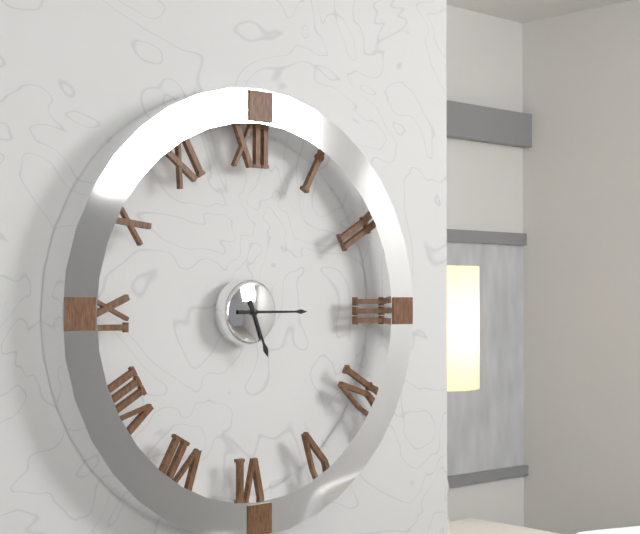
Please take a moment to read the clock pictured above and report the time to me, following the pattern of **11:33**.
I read **5:15**
